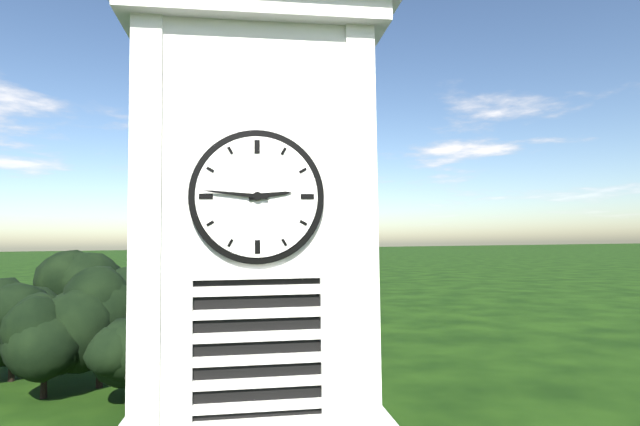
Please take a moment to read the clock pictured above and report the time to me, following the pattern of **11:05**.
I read **2:46**
